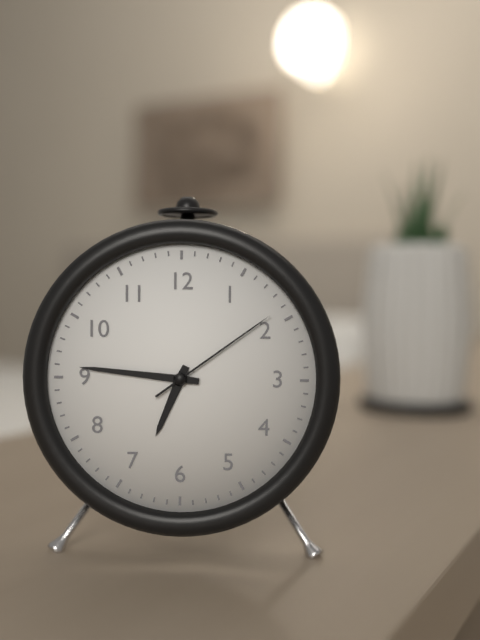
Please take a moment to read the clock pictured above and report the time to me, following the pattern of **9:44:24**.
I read **6:46:09**
